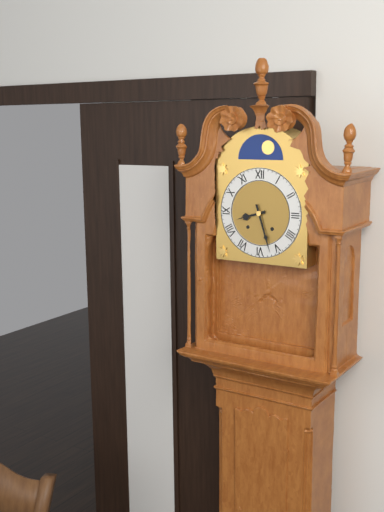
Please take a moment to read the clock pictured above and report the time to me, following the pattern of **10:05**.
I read **8:27**
